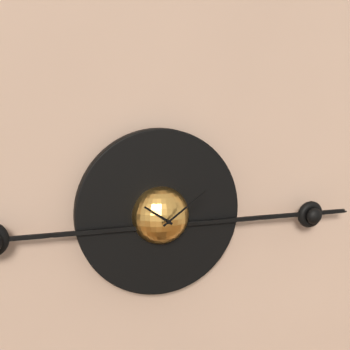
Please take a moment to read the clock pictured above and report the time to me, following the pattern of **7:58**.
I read **10:09**
